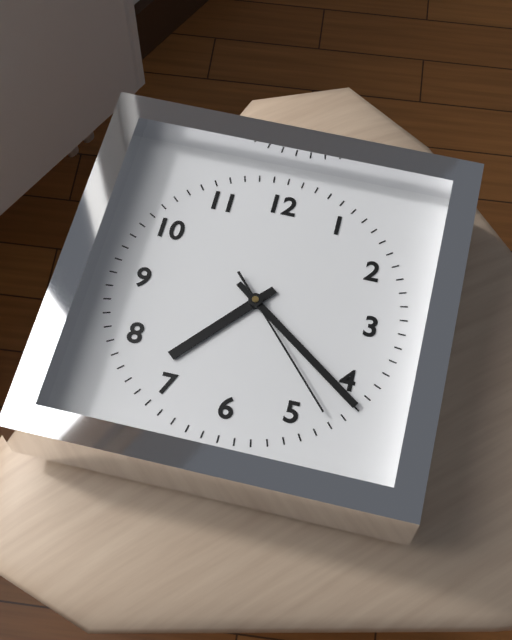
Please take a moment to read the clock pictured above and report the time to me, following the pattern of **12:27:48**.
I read **7:21:23**
